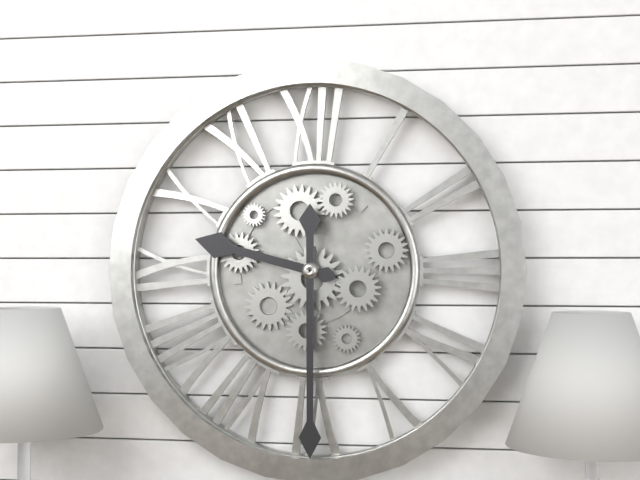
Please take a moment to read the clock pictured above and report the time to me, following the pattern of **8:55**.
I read **9:30**
